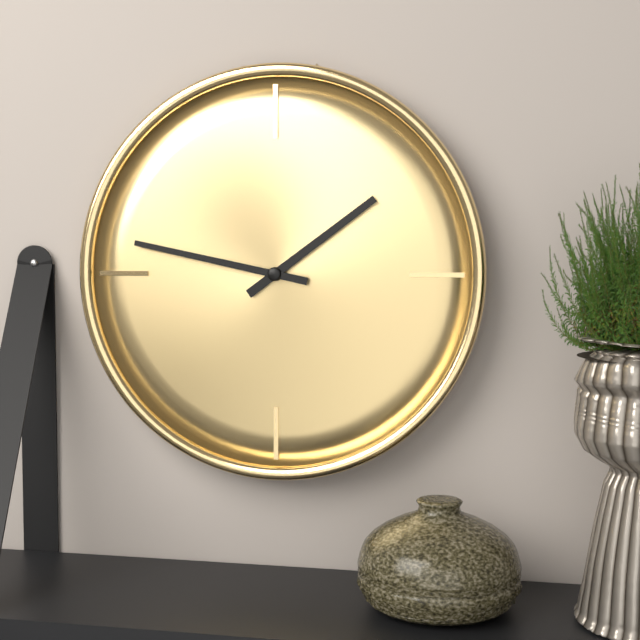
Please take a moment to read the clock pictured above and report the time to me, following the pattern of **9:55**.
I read **1:47**
